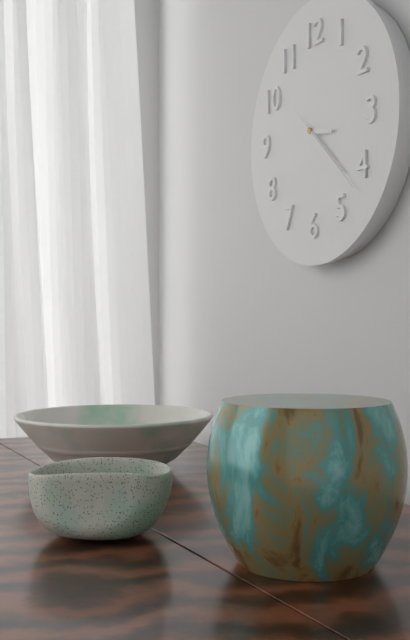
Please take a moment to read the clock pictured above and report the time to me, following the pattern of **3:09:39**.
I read **3:22:22**
